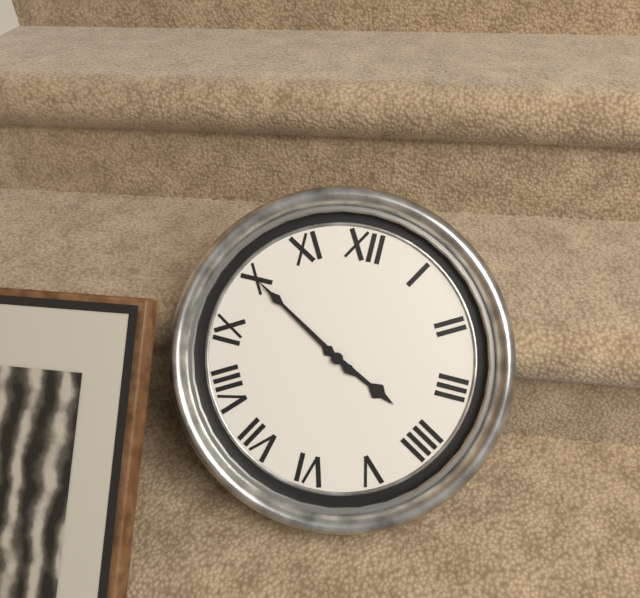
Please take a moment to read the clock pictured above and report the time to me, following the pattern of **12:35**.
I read **3:50**
